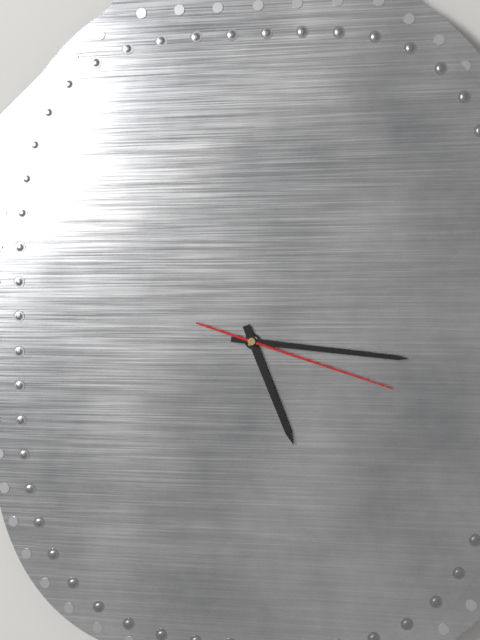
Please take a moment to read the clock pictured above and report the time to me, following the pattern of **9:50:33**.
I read **5:16:18**
